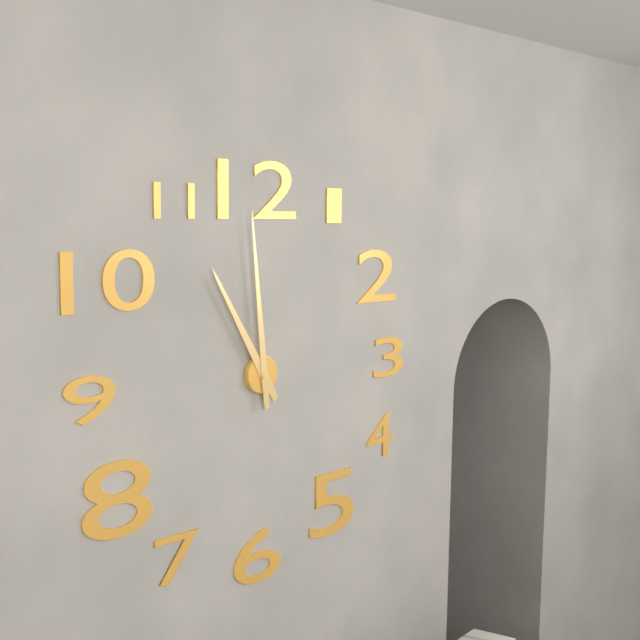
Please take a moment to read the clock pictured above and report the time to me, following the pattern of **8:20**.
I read **10:59**
